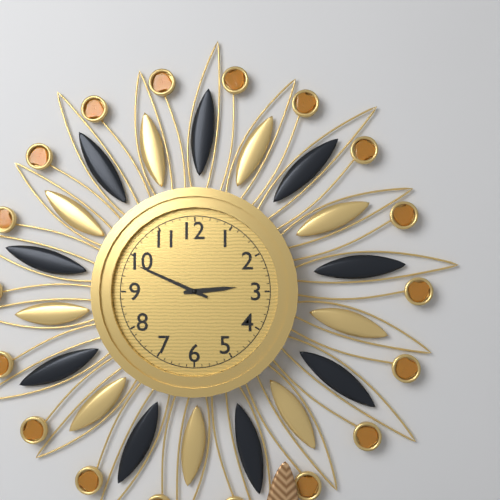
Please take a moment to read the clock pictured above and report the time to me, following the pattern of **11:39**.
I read **2:49**
